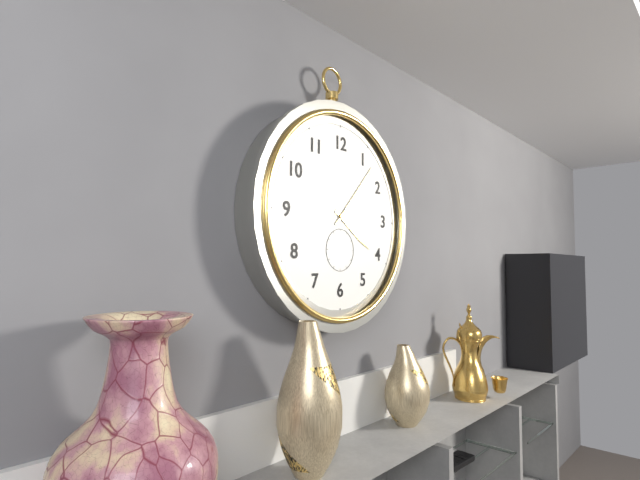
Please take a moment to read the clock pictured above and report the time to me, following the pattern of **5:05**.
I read **4:07**
